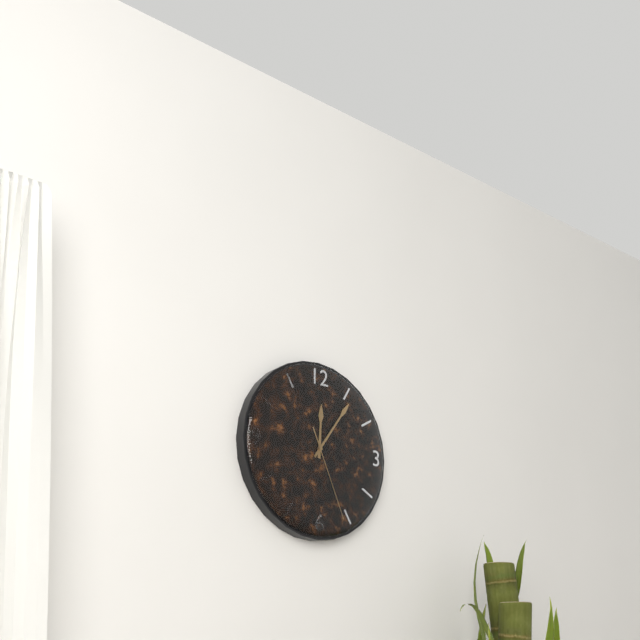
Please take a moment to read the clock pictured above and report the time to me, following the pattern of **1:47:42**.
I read **12:06:26**
